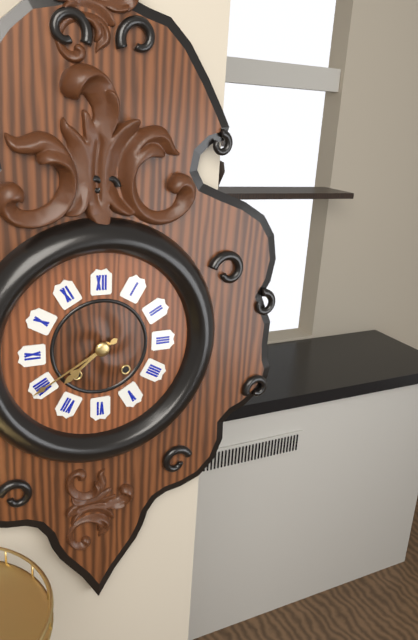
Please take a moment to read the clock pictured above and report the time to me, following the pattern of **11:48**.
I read **7:40**
